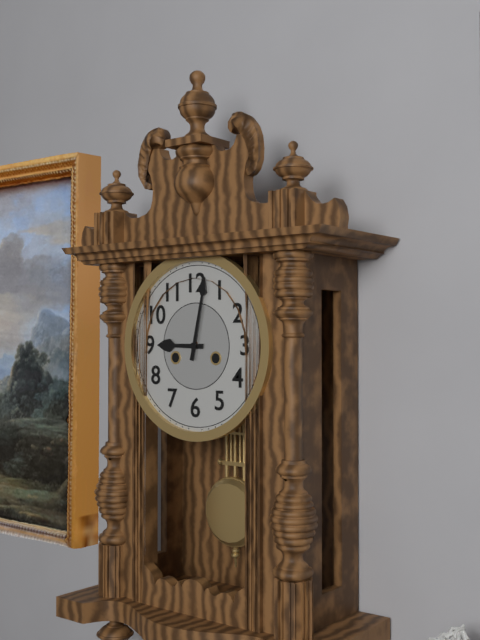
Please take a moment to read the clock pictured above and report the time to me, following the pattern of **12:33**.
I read **9:02**
